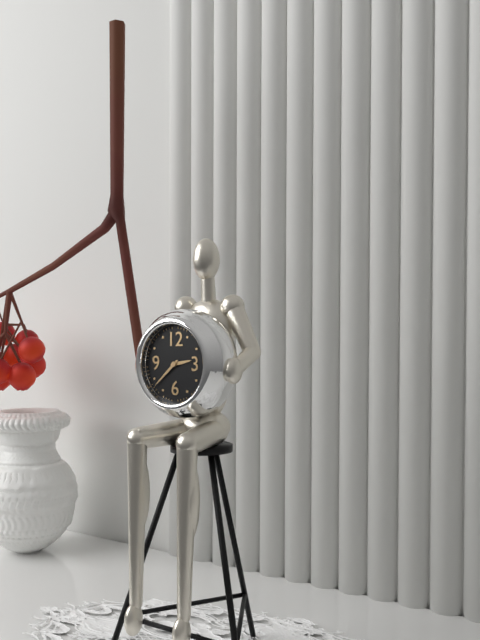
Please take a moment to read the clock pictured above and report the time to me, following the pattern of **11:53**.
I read **2:38**
